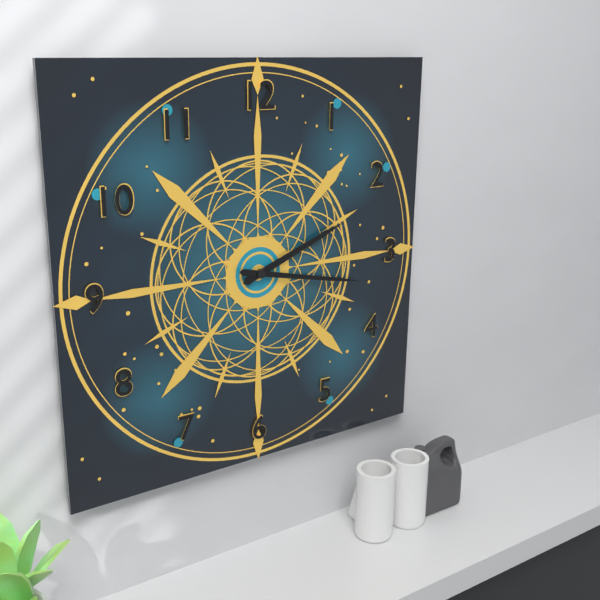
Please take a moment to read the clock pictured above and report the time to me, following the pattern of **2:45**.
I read **2:17**
